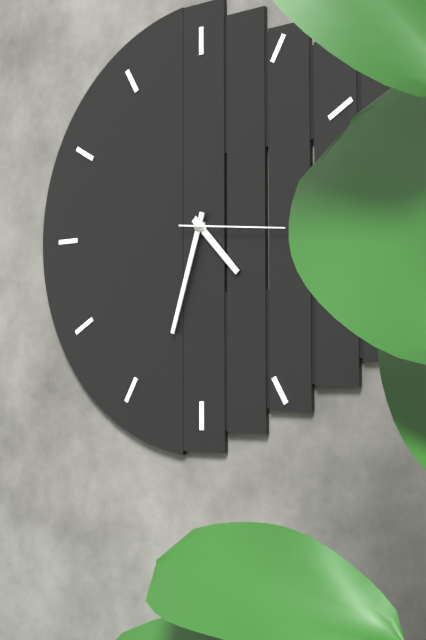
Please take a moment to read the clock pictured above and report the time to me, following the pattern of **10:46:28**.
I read **4:33:16**
